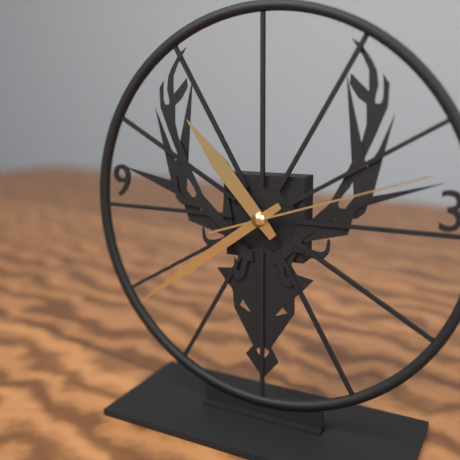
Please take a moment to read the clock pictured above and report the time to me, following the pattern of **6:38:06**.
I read **10:39:12**
